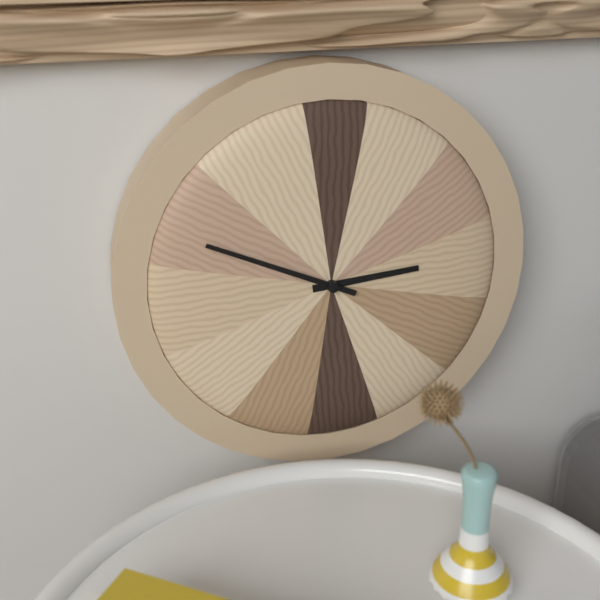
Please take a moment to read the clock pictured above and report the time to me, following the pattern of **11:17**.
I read **2:49**
